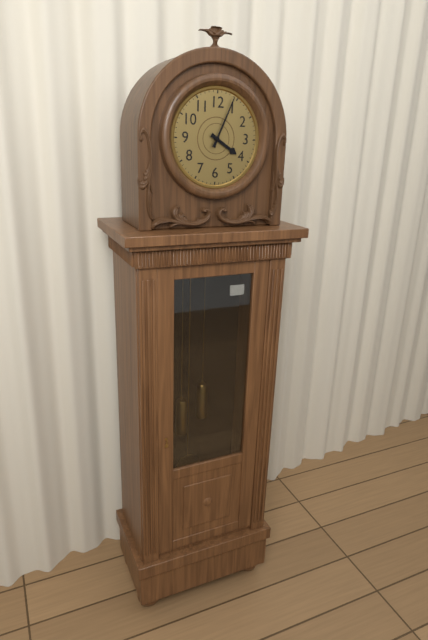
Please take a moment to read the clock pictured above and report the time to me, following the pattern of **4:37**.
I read **4:04**
